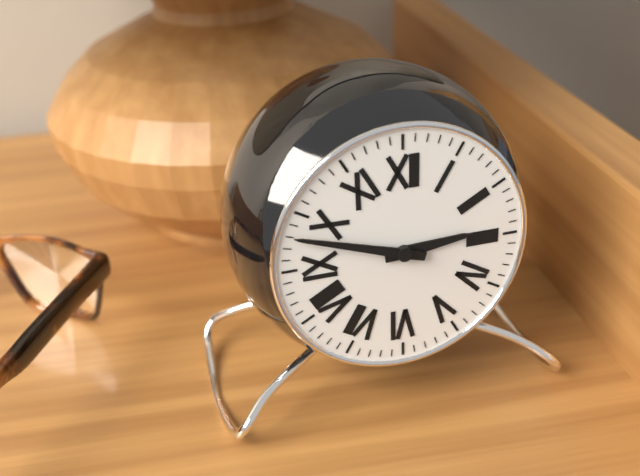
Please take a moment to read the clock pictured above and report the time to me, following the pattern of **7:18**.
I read **2:48**
